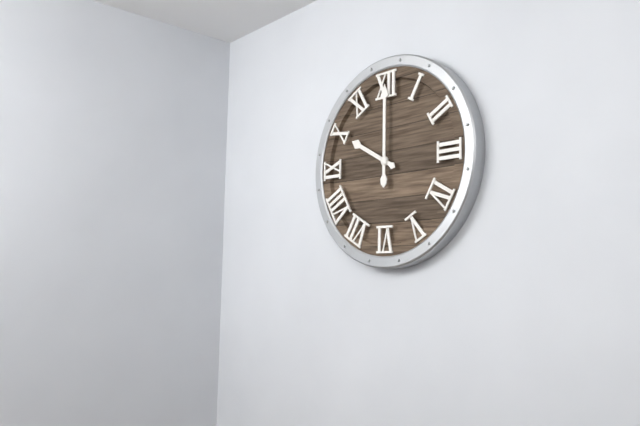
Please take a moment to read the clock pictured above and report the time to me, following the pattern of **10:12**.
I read **10:00**
